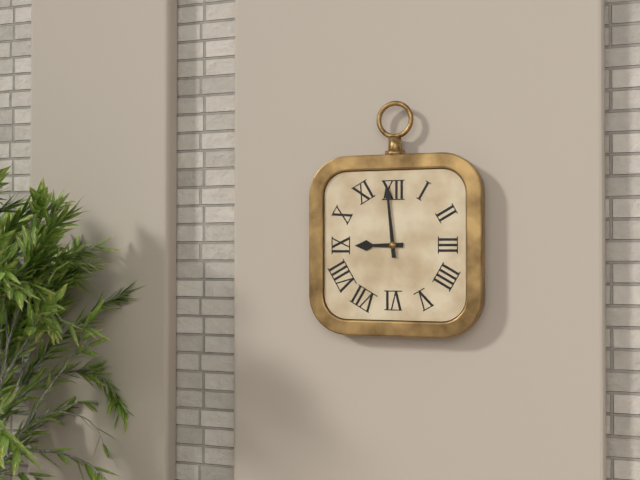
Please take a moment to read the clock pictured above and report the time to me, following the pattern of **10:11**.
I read **8:59**
